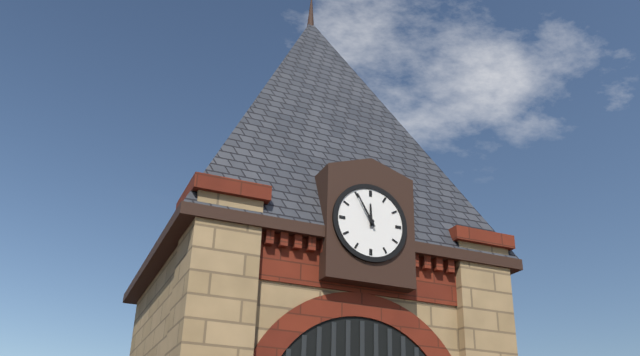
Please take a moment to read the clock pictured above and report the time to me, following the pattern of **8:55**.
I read **11:55**
